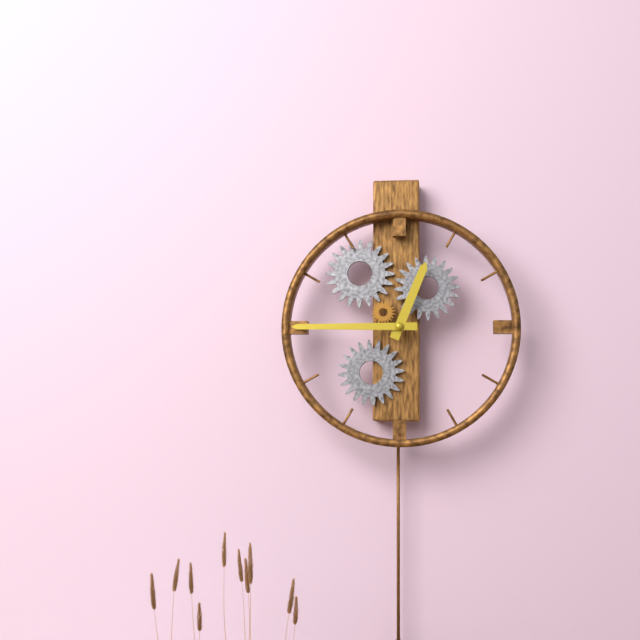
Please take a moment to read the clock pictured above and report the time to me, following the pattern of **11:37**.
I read **12:45**
